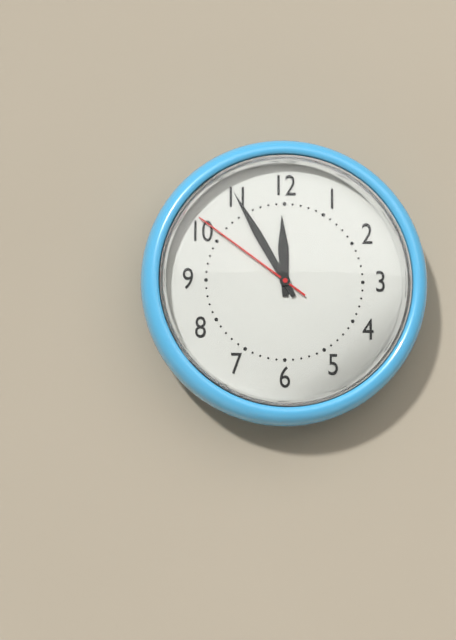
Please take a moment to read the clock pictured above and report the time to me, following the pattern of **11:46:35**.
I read **11:55:51**
